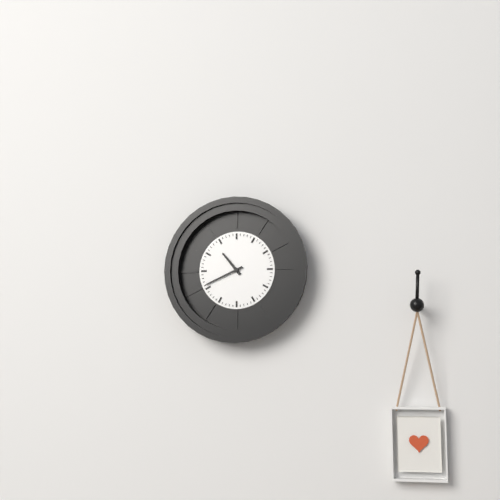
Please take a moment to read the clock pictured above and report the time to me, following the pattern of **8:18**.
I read **10:41**
